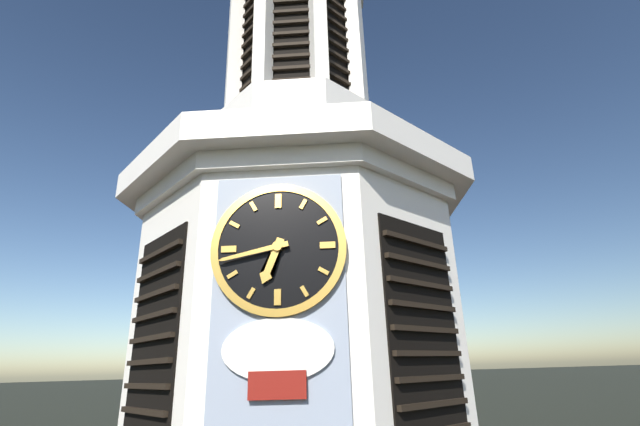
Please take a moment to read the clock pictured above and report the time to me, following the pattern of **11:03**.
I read **6:43**
